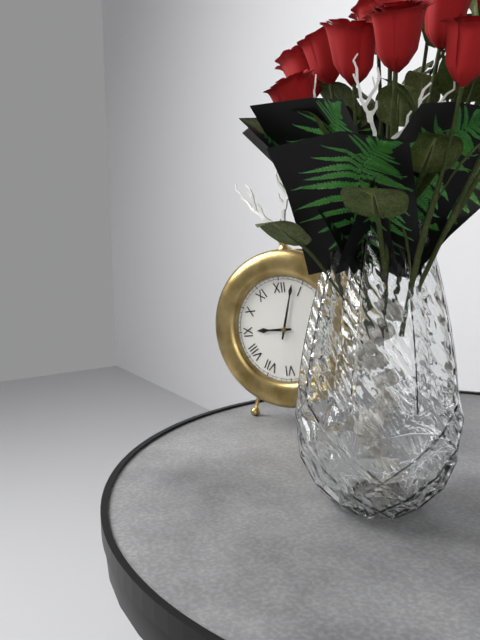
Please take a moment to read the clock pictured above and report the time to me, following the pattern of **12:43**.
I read **9:03**
